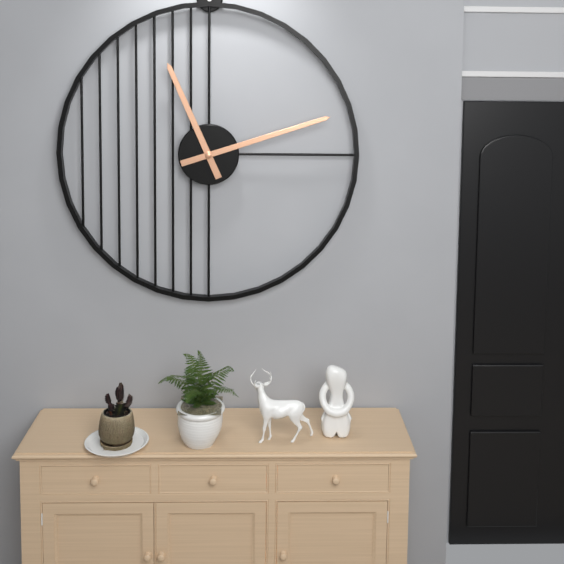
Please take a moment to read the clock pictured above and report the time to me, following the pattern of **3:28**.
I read **11:12**
